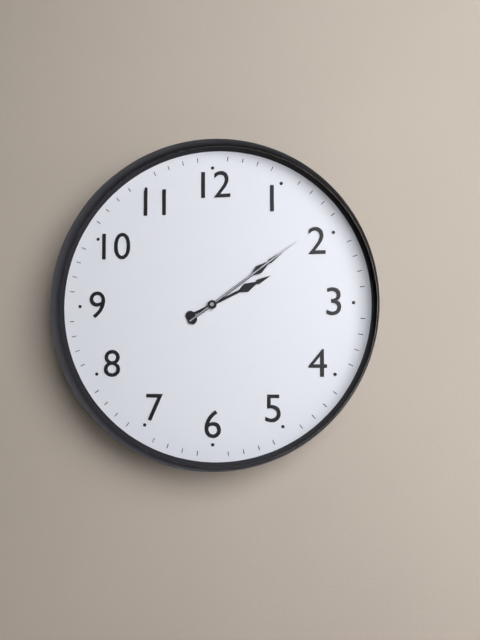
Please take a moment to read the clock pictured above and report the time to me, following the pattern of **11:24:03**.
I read **2:09:09**
